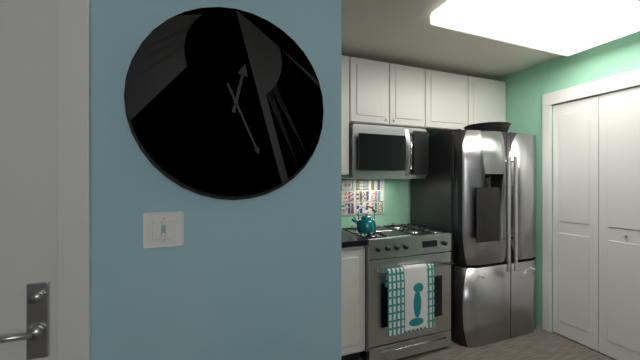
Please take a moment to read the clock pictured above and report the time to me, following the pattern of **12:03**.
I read **12:26**
